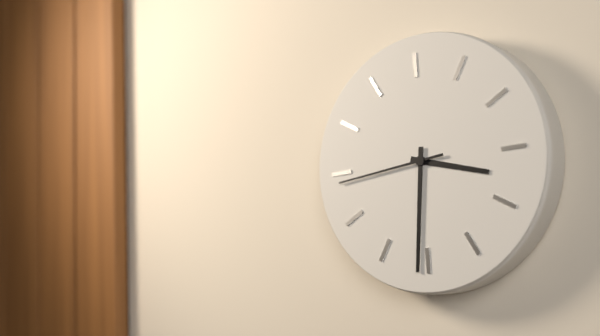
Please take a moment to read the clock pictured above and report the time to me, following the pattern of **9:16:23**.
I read **3:31:44**
